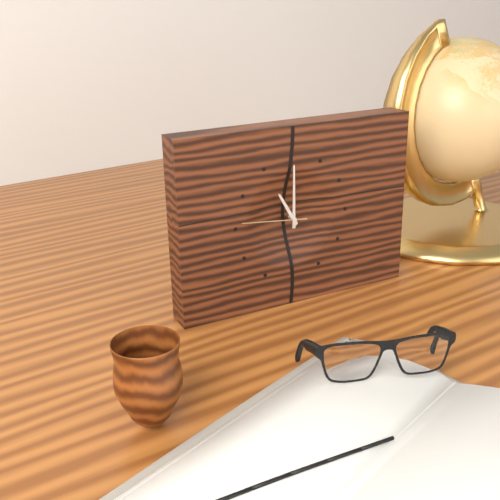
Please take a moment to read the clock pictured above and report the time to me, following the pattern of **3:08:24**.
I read **11:00:46**
